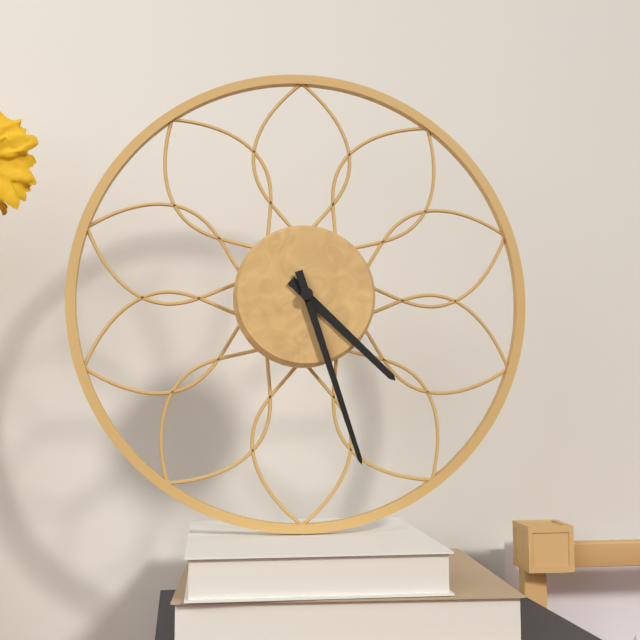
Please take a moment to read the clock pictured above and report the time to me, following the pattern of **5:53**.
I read **4:27**
